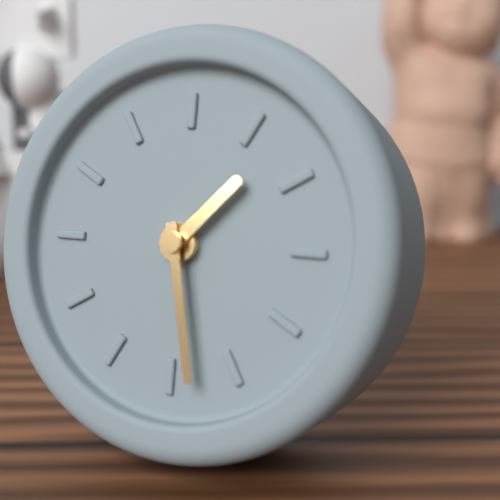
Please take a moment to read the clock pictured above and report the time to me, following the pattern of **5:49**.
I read **1:28**
